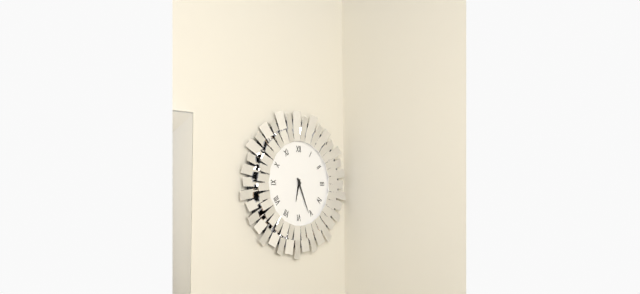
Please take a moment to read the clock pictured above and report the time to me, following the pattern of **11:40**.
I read **6:26**
